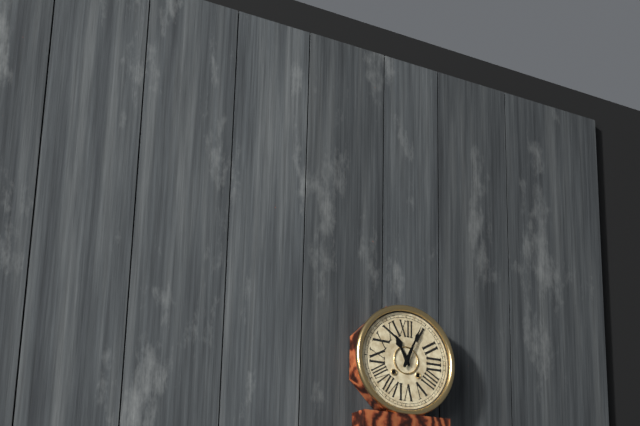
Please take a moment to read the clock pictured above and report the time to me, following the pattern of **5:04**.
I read **11:04**
